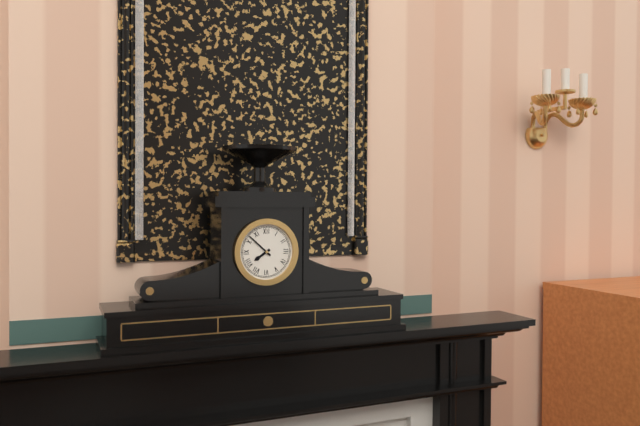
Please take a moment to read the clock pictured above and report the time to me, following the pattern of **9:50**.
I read **7:52**
